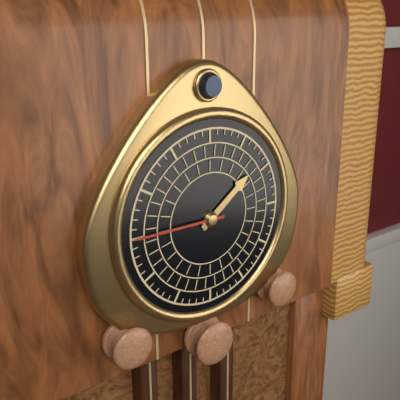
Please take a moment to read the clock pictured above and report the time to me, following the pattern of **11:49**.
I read **1:45**
